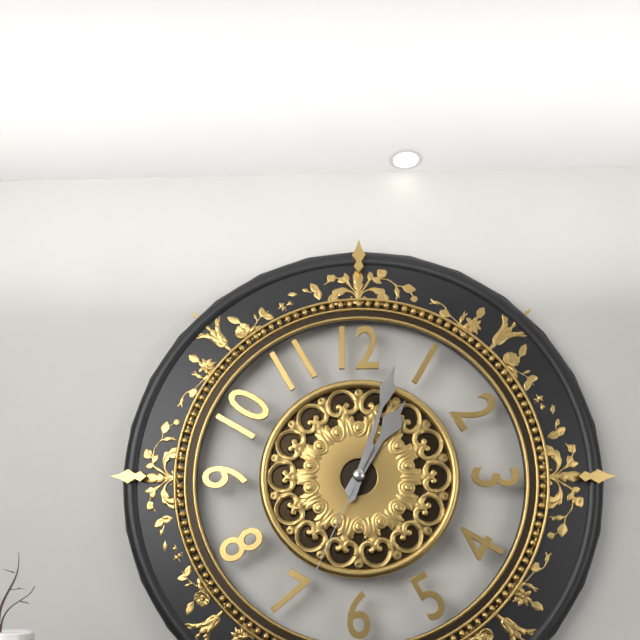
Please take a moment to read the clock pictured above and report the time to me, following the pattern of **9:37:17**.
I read **1:03:34**
